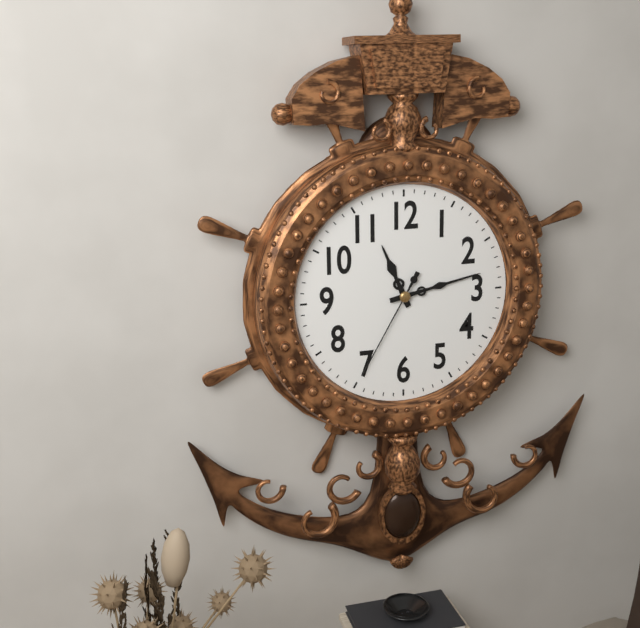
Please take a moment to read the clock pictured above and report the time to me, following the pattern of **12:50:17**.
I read **11:13:35**
